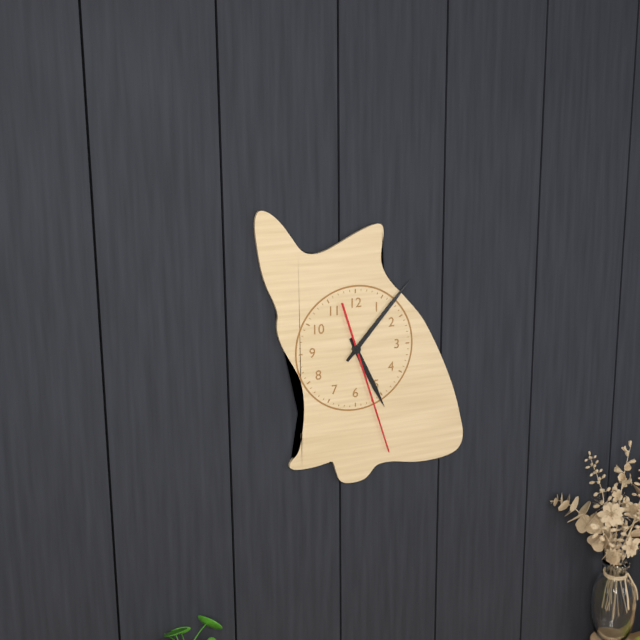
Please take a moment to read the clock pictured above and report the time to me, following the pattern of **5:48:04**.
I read **5:07:27**
